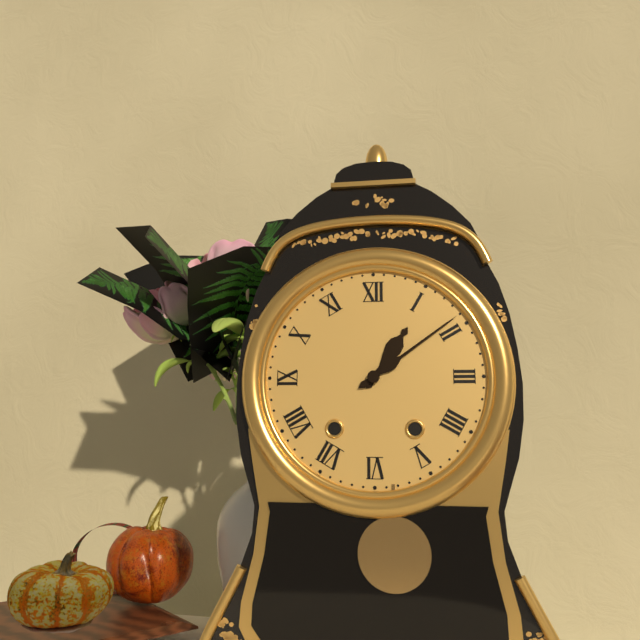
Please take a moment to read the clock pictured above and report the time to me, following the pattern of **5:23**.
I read **1:09**
